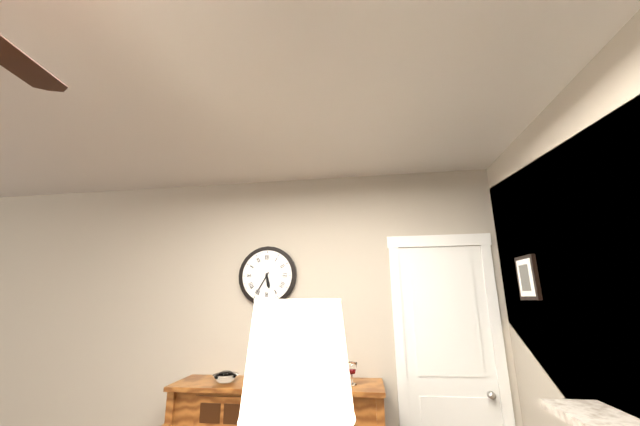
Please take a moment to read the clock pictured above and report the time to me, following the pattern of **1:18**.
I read **5:35**
